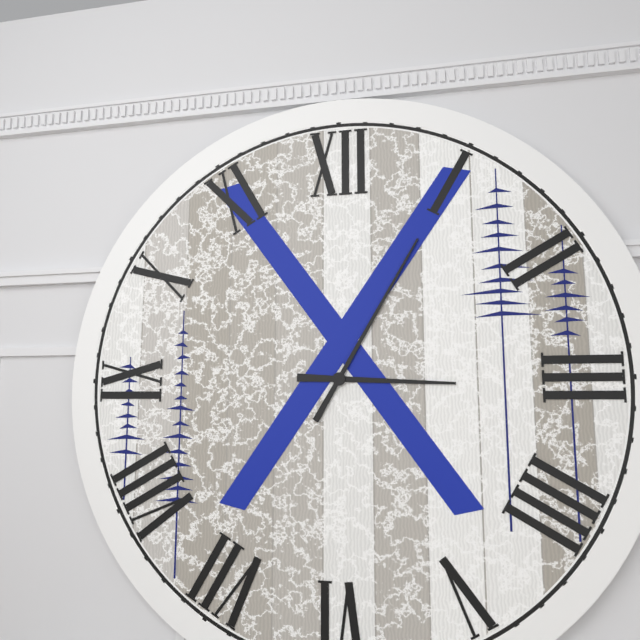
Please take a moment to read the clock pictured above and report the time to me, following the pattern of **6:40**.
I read **3:05**
